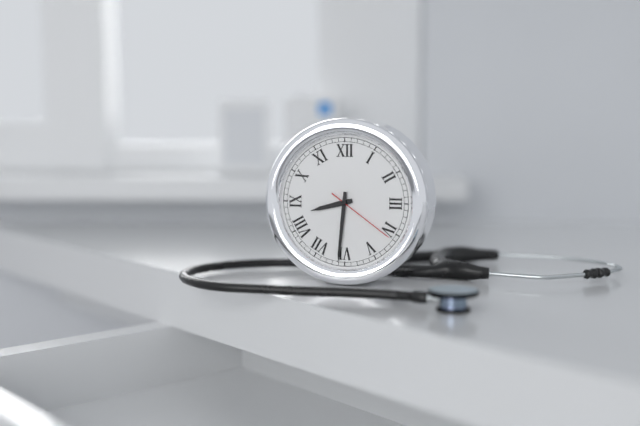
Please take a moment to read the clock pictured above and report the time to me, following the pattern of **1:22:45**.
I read **8:31:21**
